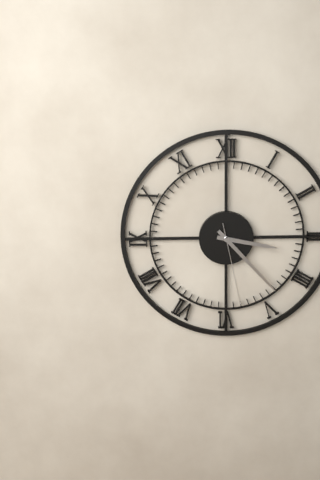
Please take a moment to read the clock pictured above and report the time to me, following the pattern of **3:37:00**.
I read **3:23:28**
